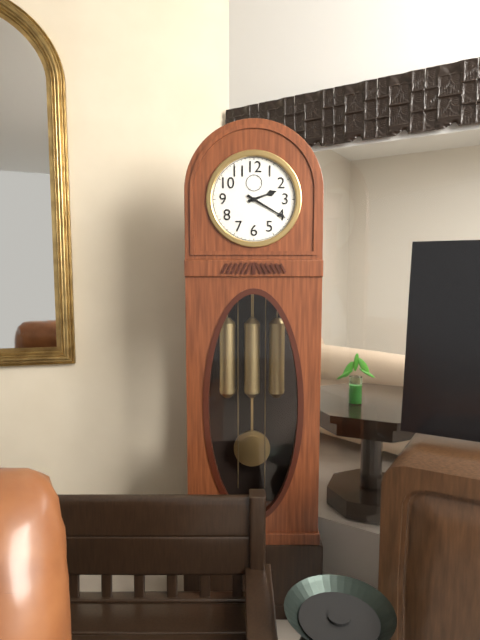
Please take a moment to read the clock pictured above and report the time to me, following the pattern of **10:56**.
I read **2:20**
